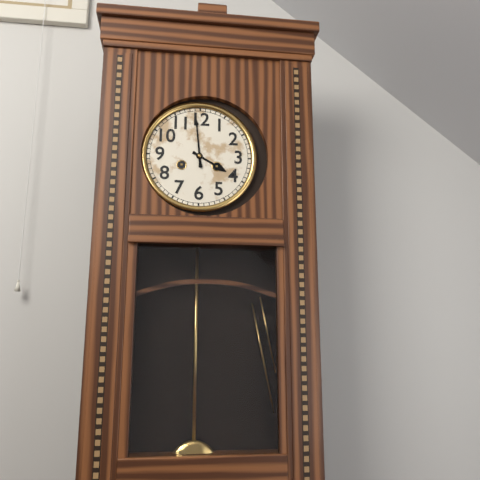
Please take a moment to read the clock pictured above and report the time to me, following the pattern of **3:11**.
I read **3:59**
